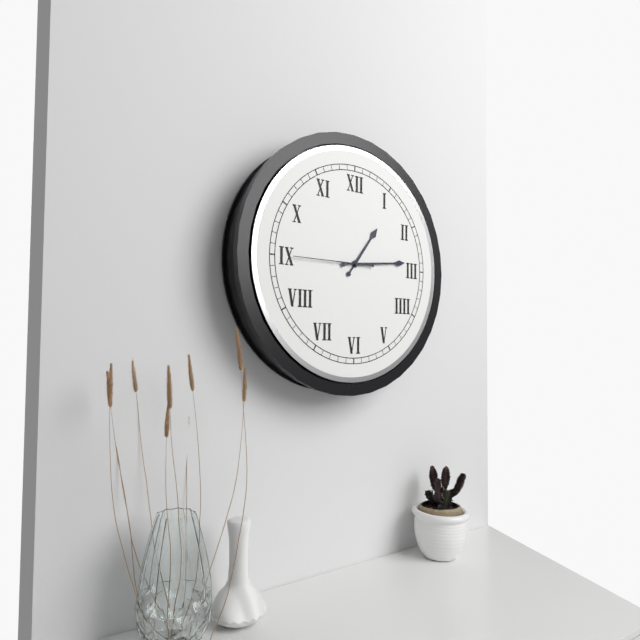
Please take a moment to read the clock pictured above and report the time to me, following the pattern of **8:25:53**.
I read **1:14:45**
